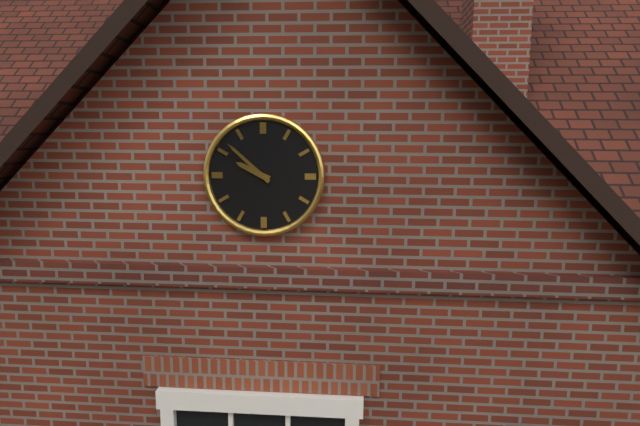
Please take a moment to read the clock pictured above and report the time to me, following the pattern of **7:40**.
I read **9:52**
